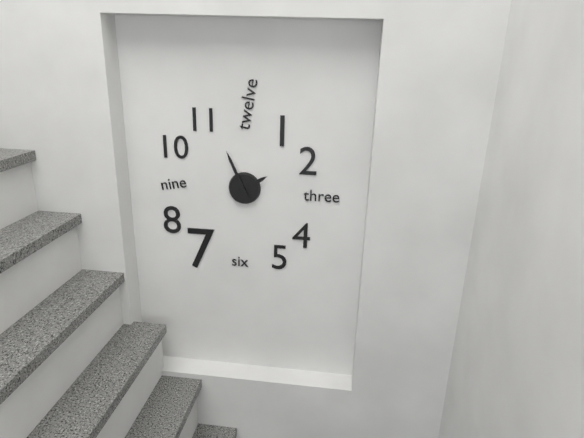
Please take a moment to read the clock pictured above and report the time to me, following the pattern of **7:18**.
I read **1:56**
